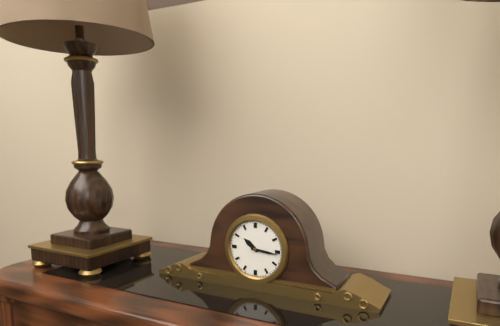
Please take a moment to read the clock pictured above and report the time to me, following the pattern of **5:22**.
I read **10:16**
